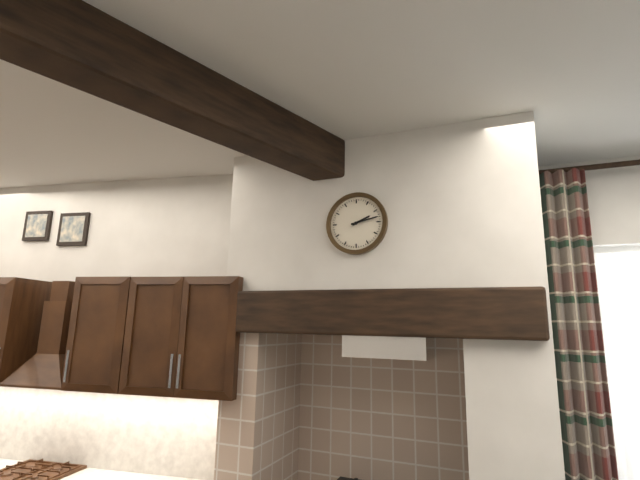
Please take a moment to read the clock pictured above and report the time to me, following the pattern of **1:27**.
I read **2:13**
